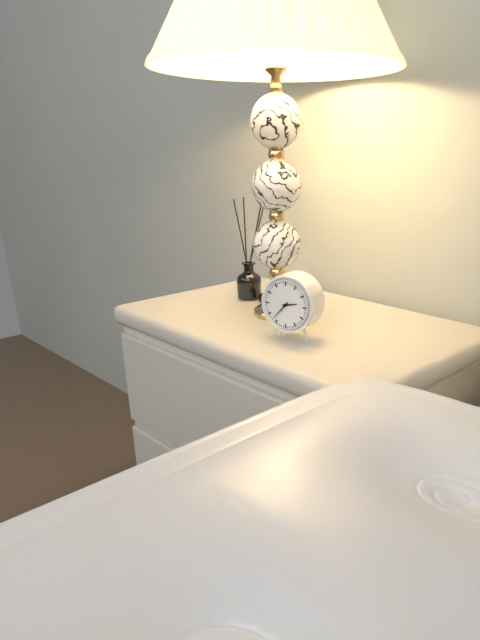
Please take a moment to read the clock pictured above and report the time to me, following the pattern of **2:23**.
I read **2:37**
